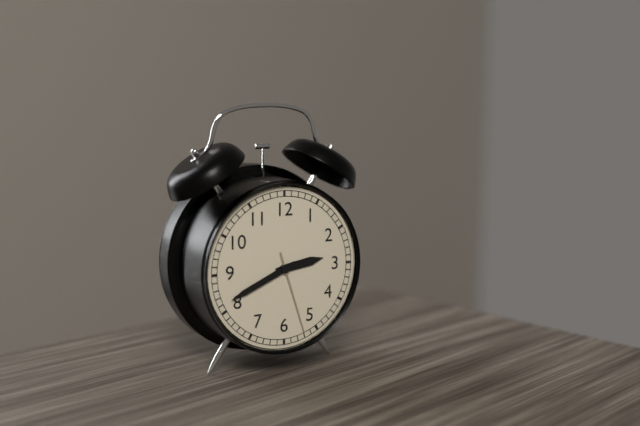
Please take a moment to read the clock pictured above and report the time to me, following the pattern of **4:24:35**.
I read **2:41:27**
